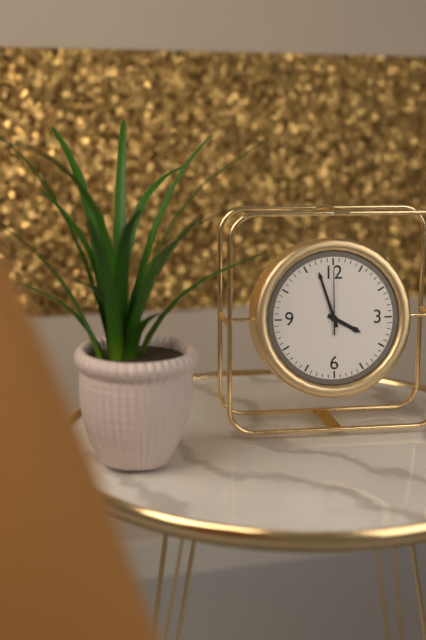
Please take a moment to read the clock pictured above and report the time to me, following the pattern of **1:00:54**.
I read **3:57:00**
